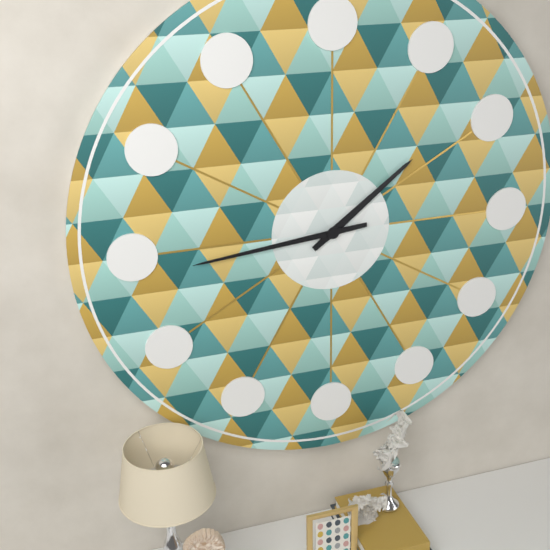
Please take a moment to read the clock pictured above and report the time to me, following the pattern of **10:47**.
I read **1:44**
